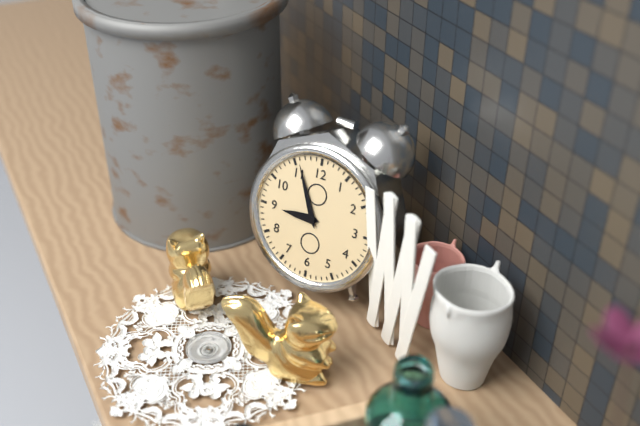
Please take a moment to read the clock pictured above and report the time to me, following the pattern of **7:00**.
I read **8:56**
